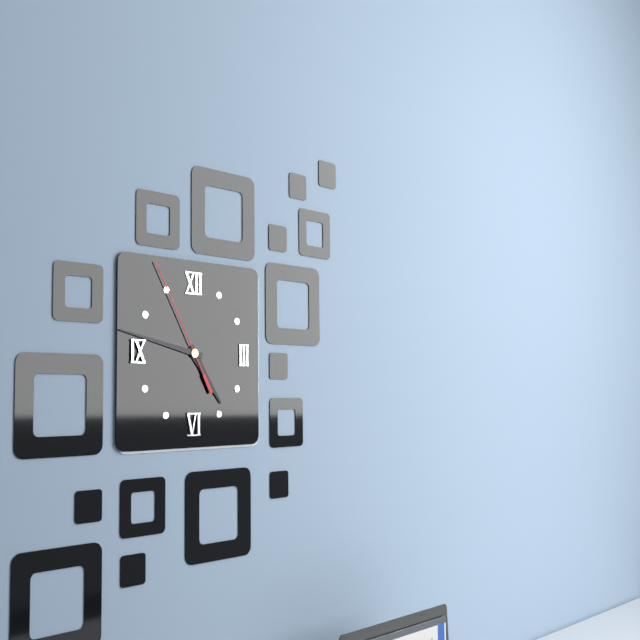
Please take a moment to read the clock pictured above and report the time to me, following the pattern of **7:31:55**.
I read **4:47:55**
